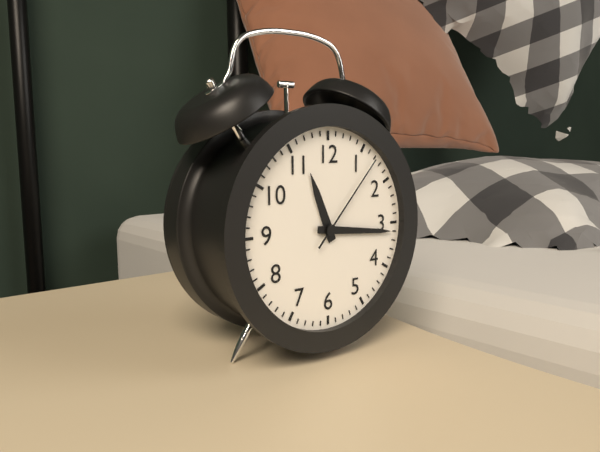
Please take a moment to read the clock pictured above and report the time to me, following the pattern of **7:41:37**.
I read **11:16:07**
